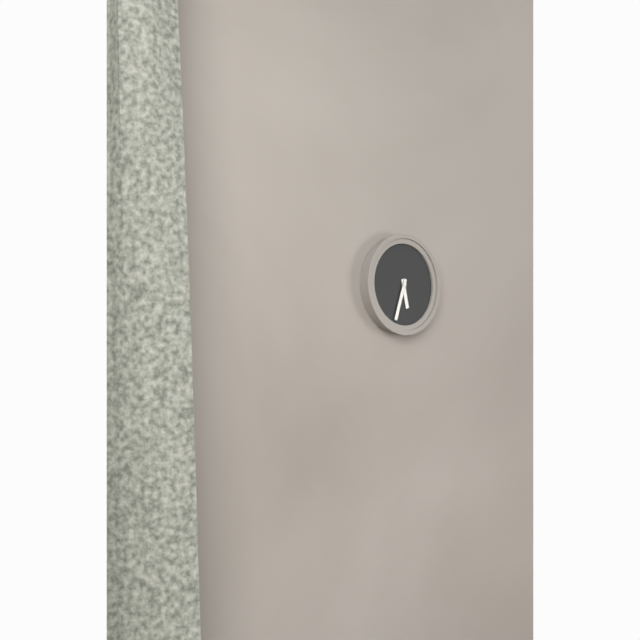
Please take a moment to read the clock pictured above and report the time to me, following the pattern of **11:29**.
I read **5:33**
